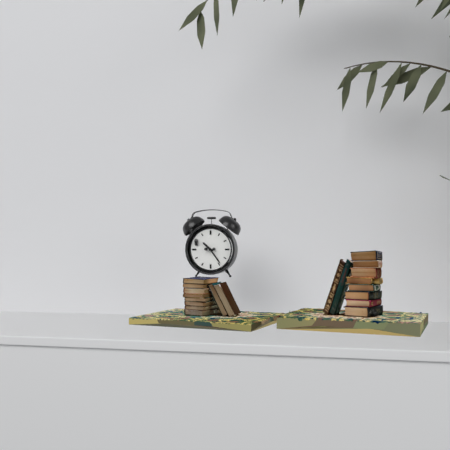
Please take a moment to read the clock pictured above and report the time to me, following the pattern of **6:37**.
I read **10:24**
